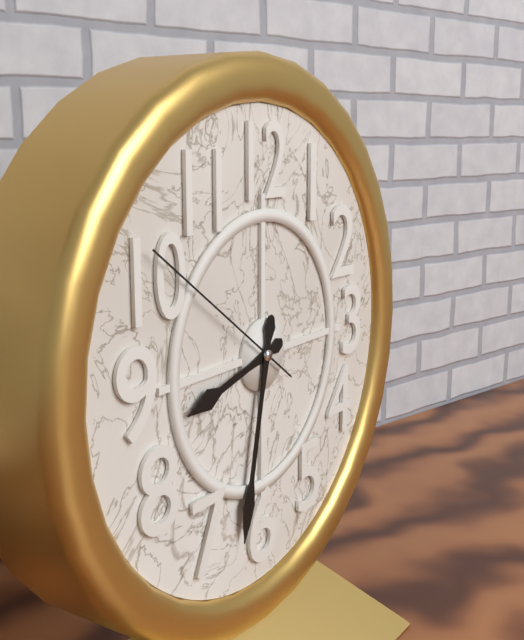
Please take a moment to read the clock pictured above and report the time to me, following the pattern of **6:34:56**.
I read **8:32:51**
